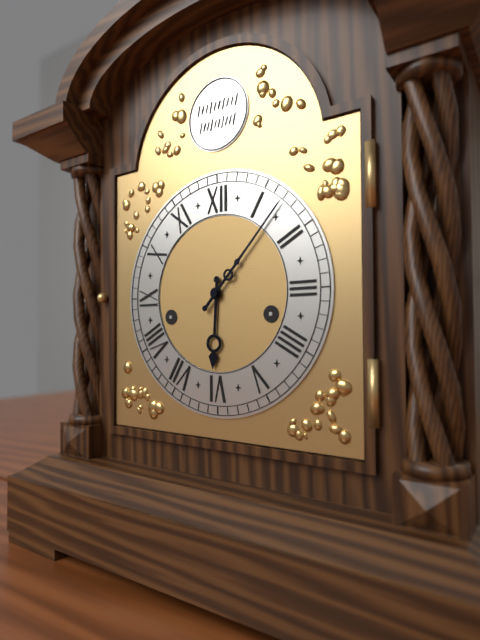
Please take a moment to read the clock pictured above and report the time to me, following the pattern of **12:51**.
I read **6:07**
